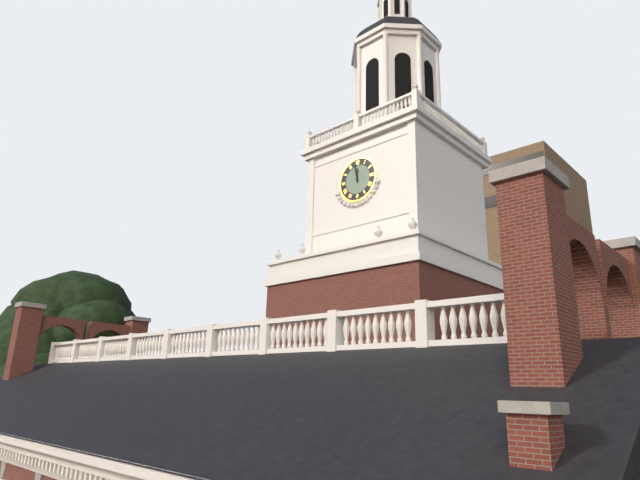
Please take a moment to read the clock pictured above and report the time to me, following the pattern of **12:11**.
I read **11:58**
